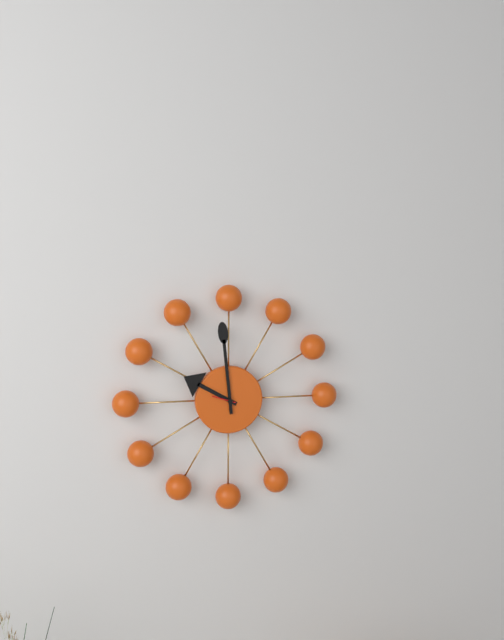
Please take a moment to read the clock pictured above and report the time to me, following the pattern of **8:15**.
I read **9:59**
